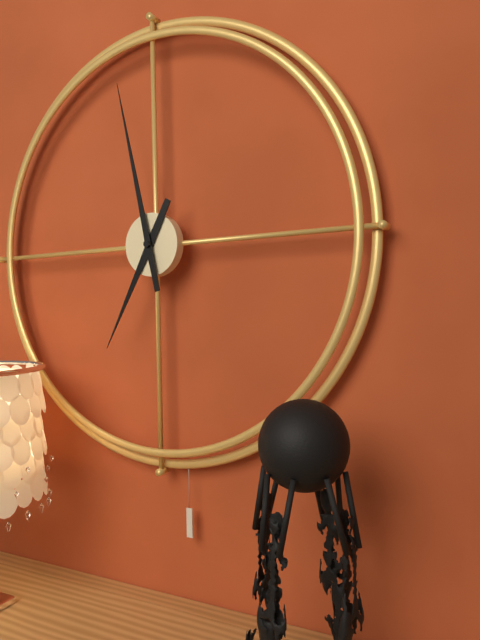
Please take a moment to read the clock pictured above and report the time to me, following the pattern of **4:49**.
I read **6:58**
